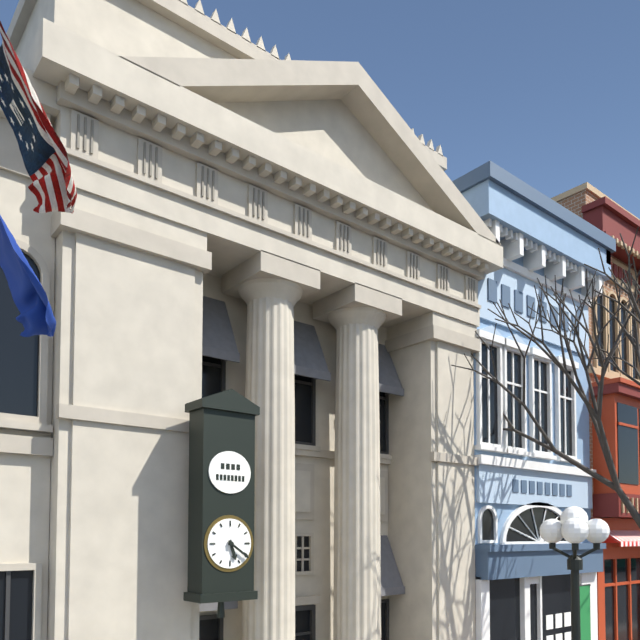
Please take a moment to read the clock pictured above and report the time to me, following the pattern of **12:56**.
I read **5:21**
